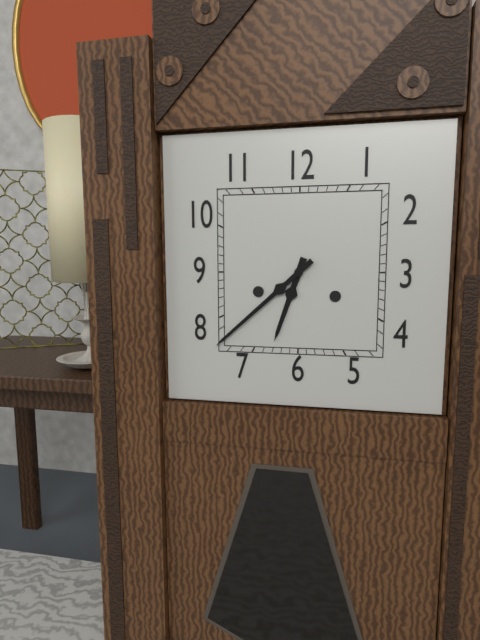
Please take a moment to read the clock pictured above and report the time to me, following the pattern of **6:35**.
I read **6:38**
